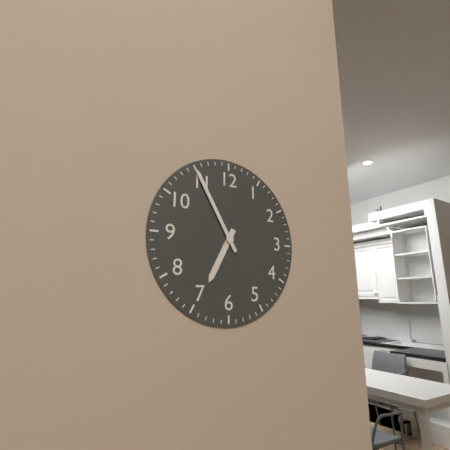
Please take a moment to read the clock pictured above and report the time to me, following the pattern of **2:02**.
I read **6:55**
